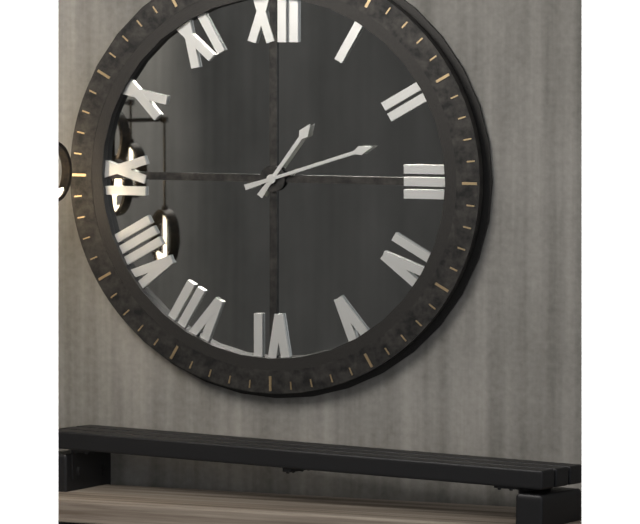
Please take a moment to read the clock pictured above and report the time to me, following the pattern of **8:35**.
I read **1:12**
